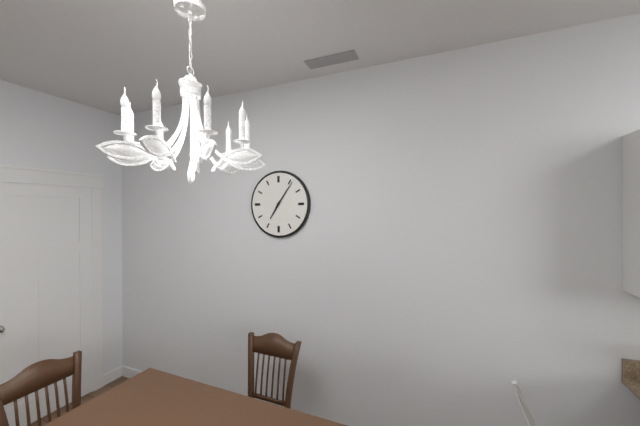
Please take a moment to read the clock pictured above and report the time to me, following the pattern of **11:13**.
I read **7:06**
